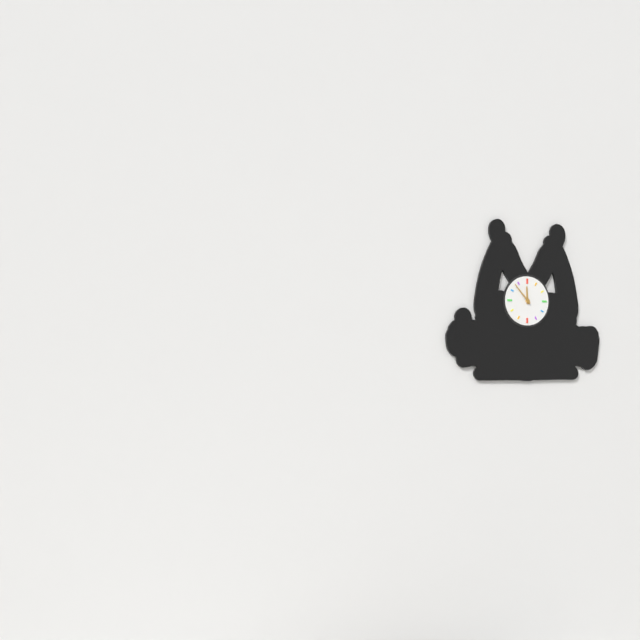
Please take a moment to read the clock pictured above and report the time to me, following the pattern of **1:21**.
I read **11:53**
